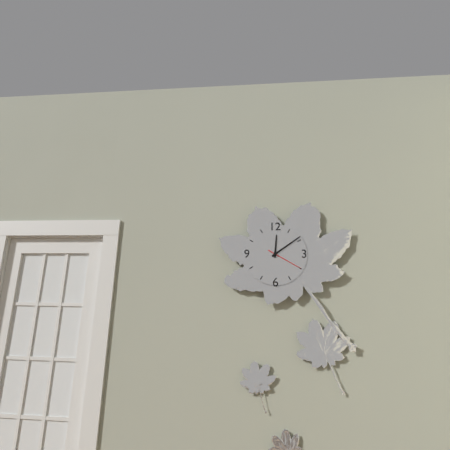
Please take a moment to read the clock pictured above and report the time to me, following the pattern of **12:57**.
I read **12:09**
